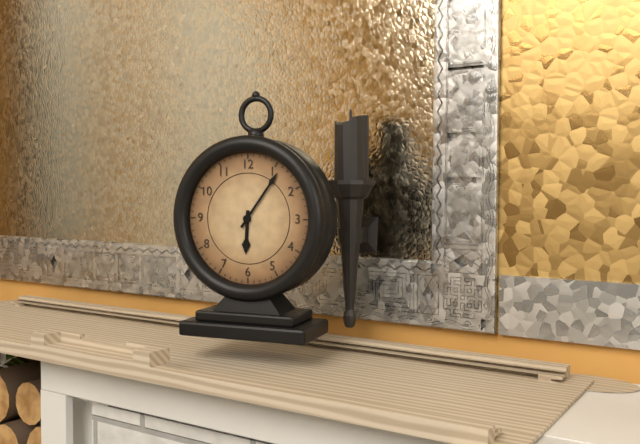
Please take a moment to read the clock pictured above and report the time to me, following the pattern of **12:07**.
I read **6:06**
